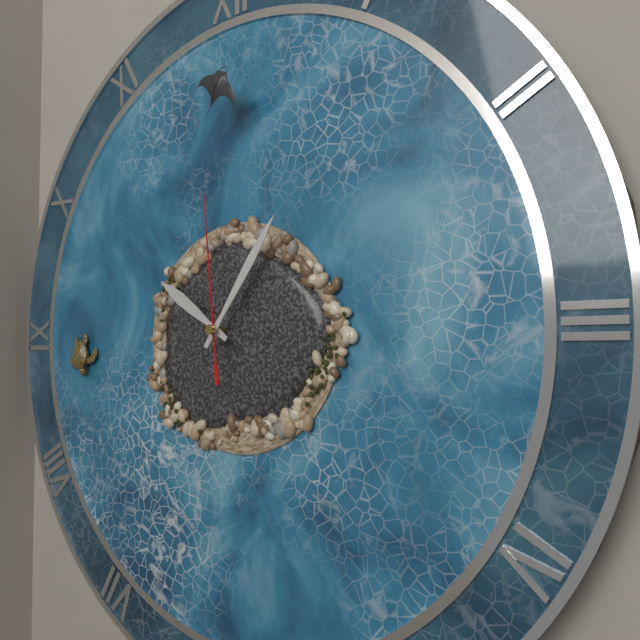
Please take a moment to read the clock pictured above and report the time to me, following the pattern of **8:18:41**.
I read **10:06:59**
